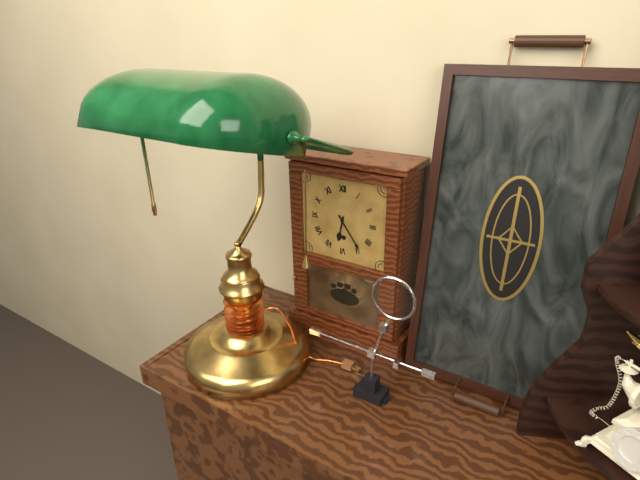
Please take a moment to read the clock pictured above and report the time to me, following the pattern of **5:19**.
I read **6:24**
